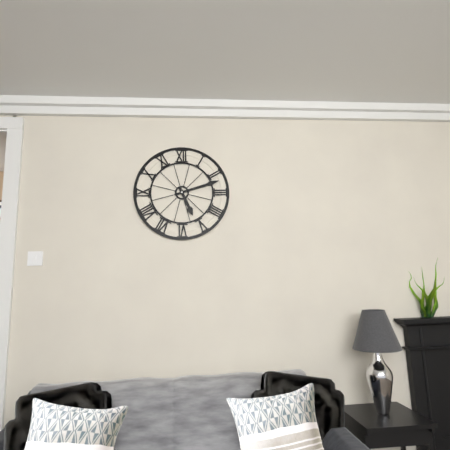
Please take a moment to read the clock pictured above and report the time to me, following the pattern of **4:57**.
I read **5:12**
